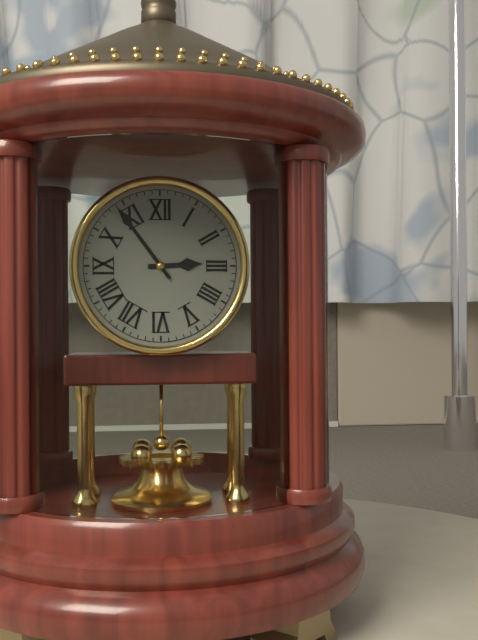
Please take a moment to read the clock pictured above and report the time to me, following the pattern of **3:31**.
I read **2:54**
